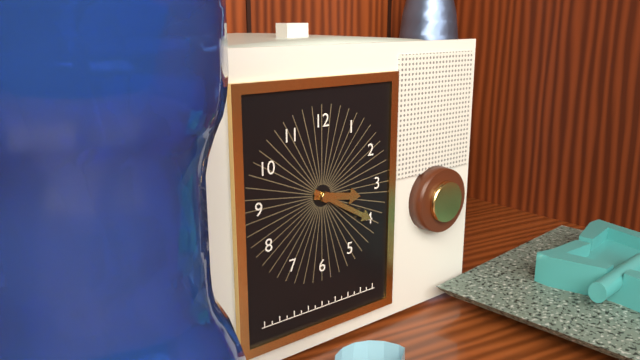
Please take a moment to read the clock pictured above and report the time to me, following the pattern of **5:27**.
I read **3:20**
